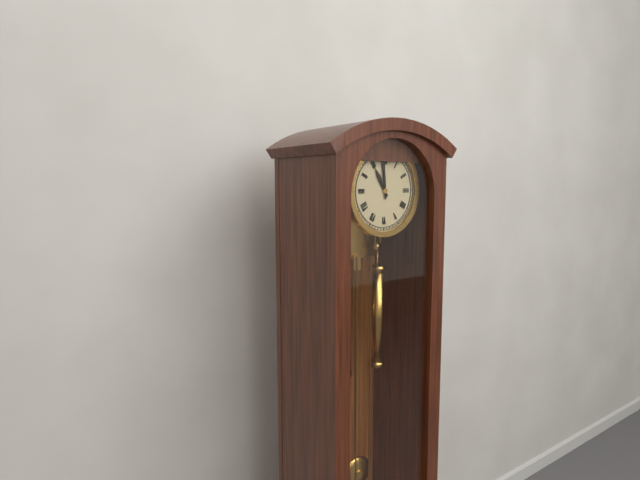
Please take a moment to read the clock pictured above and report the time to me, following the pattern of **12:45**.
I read **10:59**
